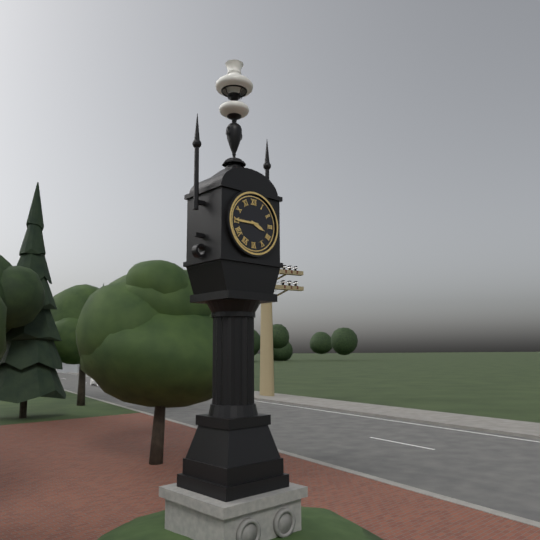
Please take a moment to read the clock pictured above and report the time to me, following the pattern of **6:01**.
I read **3:45**
